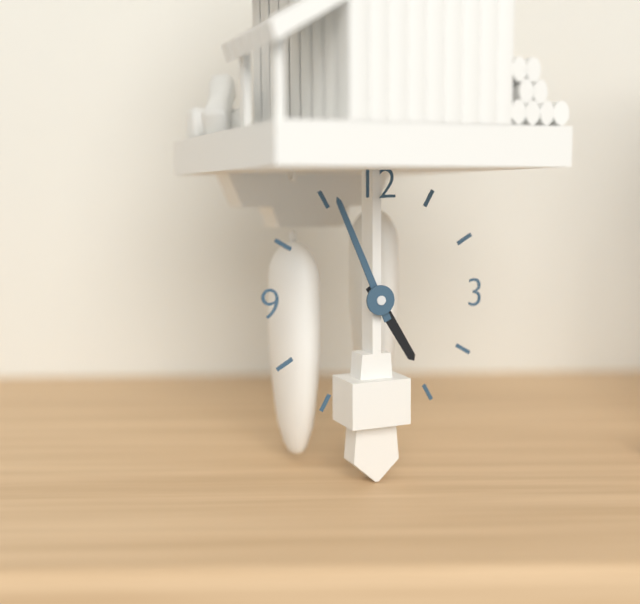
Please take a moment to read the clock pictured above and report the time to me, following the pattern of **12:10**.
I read **4:56**
